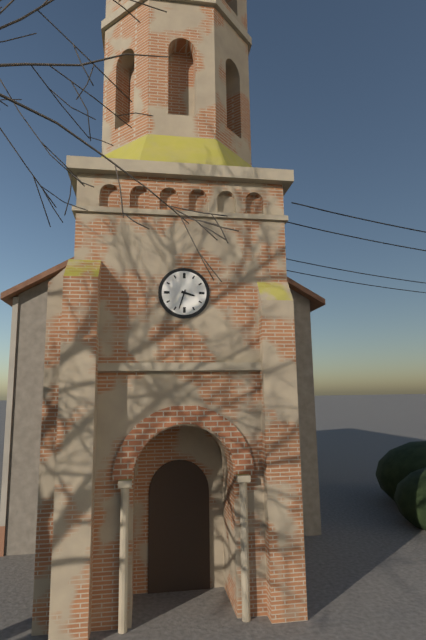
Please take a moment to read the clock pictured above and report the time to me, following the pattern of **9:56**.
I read **3:33**
